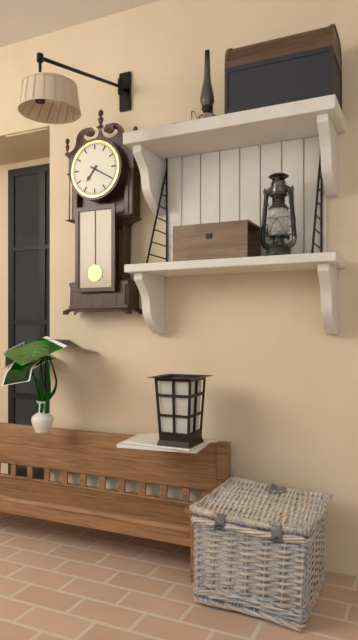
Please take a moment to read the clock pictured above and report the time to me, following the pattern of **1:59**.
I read **7:20**
